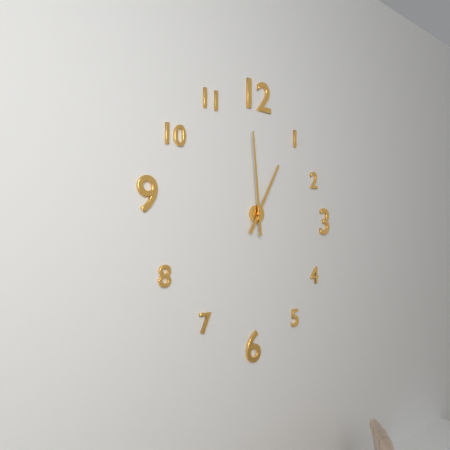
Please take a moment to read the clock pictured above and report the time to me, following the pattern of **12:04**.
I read **12:59**
